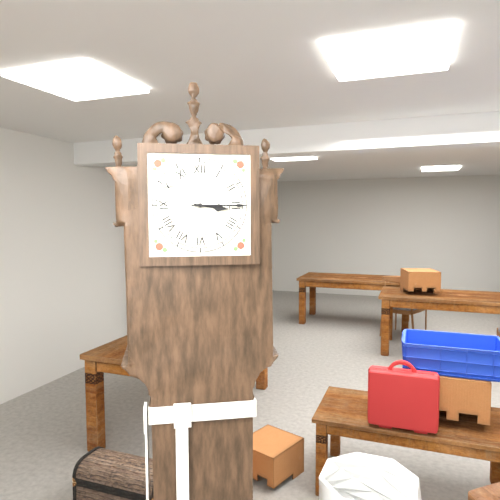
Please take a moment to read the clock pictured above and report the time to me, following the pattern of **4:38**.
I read **3:15**
